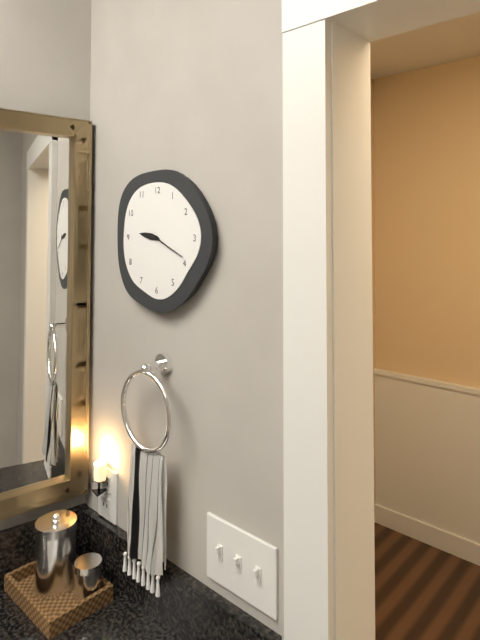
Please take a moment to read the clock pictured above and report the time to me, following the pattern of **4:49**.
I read **9:19**
